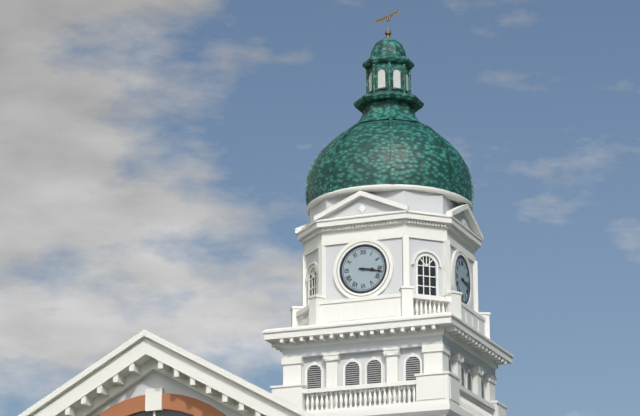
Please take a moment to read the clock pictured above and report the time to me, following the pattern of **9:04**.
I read **3:17**
